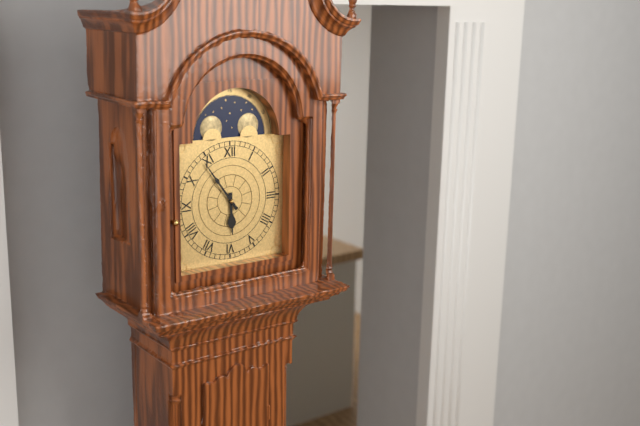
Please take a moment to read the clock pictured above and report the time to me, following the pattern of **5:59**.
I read **5:54**
